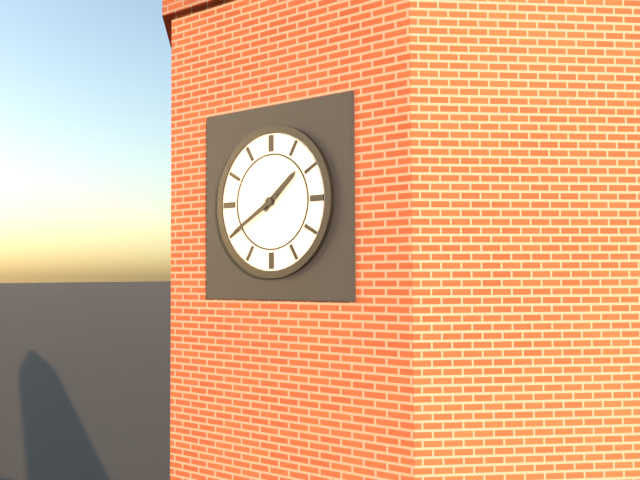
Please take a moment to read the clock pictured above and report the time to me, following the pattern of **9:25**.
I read **1:40**
